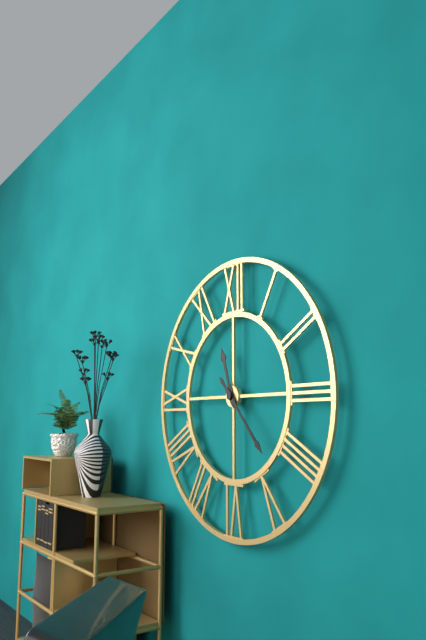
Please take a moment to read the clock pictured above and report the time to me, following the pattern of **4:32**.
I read **11:23**
